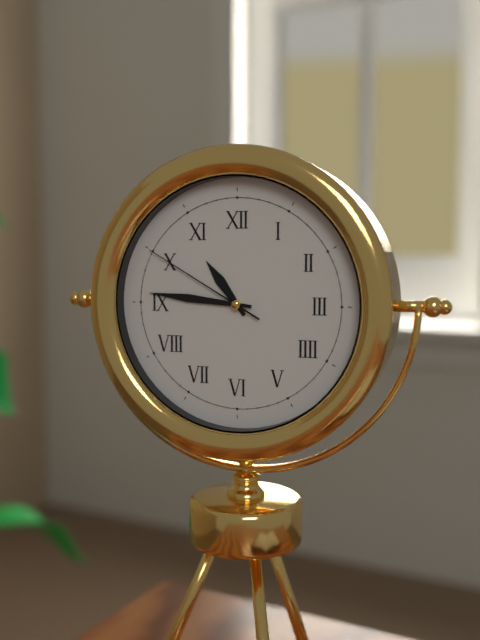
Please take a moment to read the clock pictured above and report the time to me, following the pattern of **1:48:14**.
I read **10:46:50**
